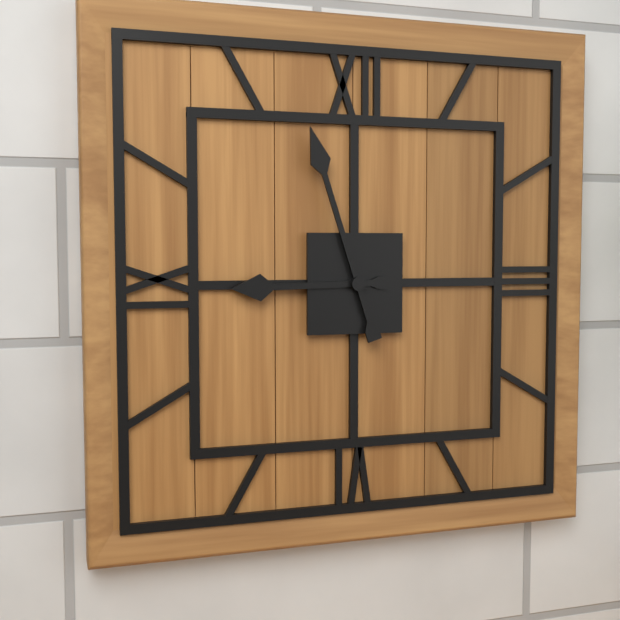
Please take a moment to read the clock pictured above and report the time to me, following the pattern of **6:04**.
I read **8:57**
